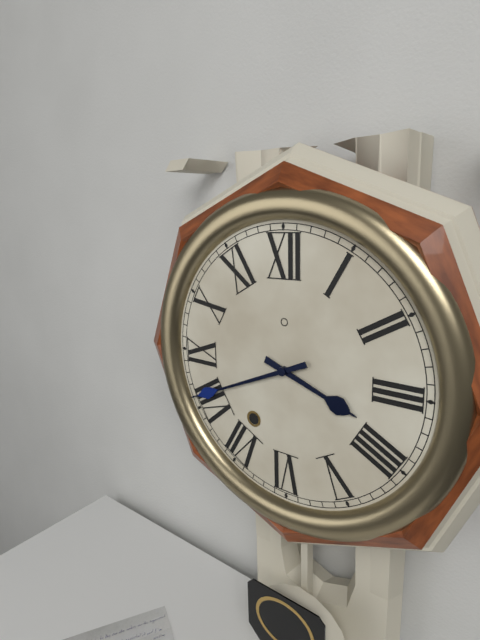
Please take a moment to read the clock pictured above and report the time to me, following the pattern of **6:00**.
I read **3:41**
